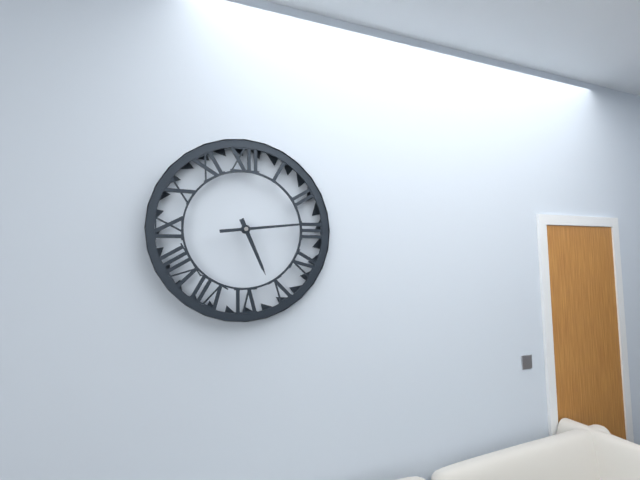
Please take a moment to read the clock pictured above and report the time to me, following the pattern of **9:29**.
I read **5:14**
